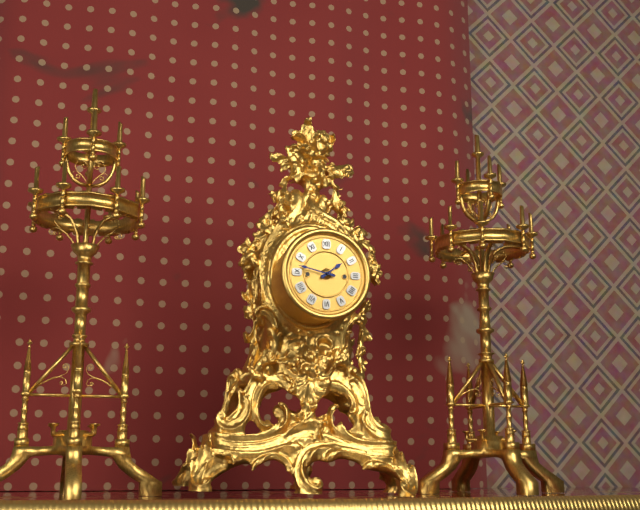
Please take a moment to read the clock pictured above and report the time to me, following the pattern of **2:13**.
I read **1:47**
